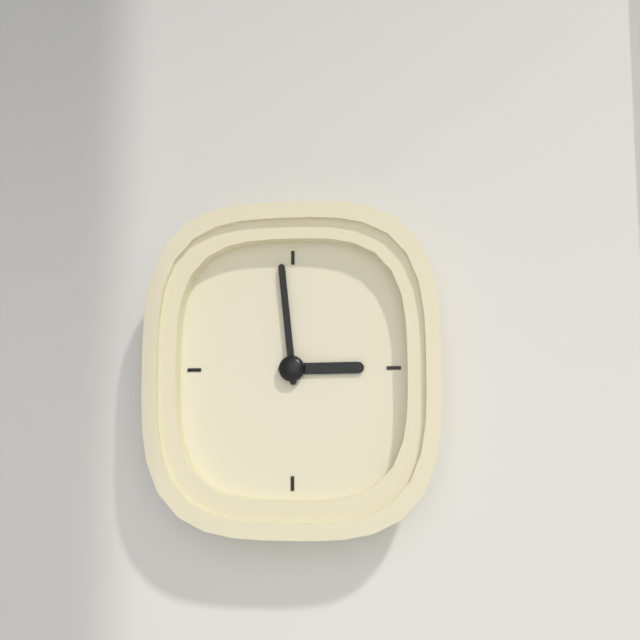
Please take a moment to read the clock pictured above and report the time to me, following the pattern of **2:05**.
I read **2:59**
